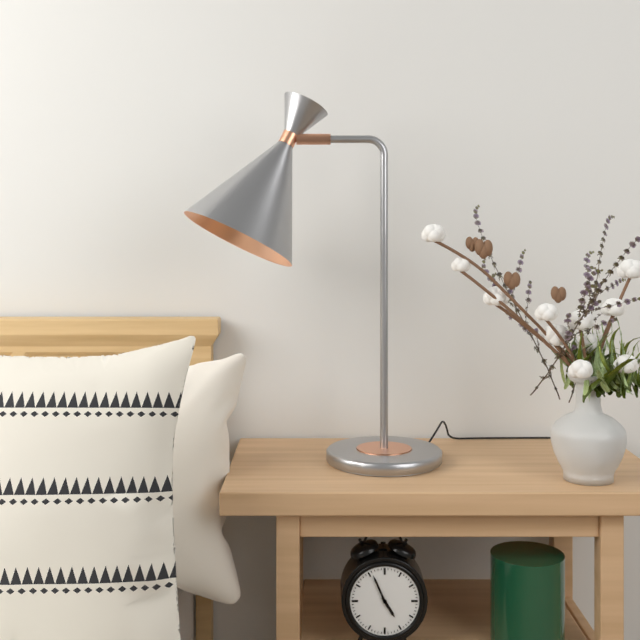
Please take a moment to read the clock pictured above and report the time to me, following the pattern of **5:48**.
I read **4:56**
